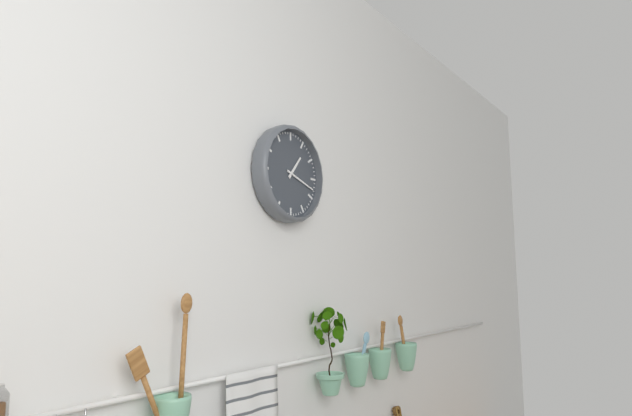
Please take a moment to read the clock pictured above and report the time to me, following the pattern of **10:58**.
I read **1:18**
